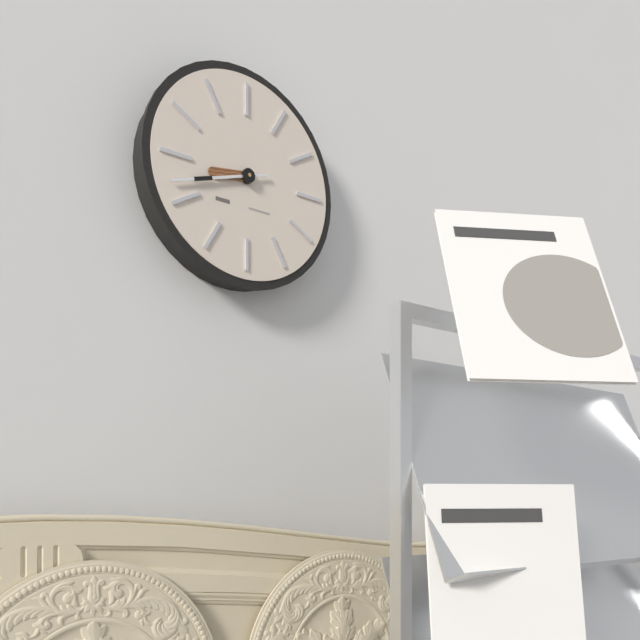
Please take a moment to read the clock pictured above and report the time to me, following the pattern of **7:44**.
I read **8:42**
